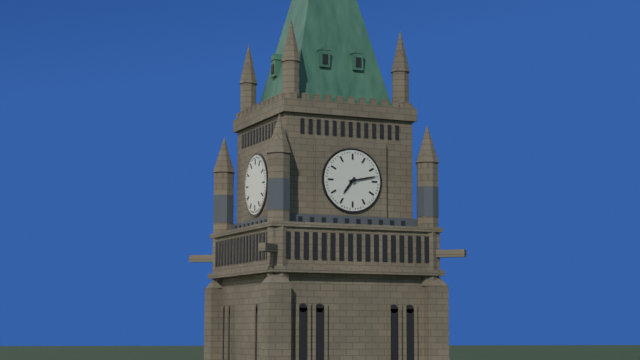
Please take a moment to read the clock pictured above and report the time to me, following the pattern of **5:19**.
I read **7:13**
